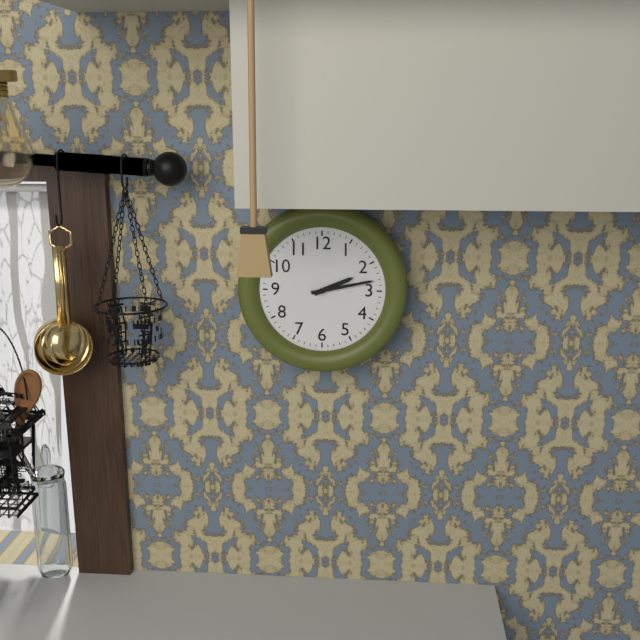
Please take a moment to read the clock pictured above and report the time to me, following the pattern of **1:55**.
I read **2:13**
